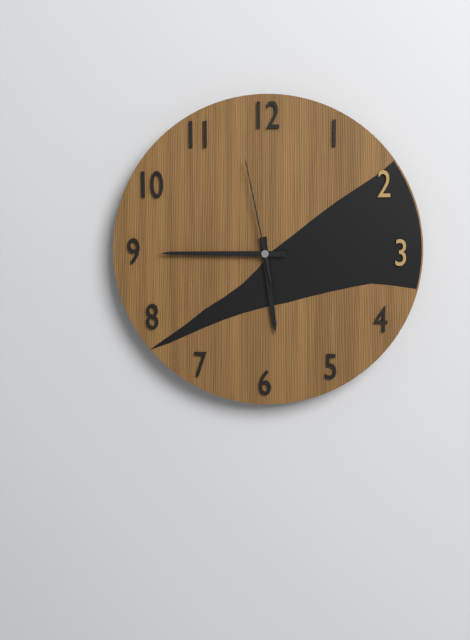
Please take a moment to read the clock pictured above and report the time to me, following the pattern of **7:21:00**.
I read **5:45:58**
